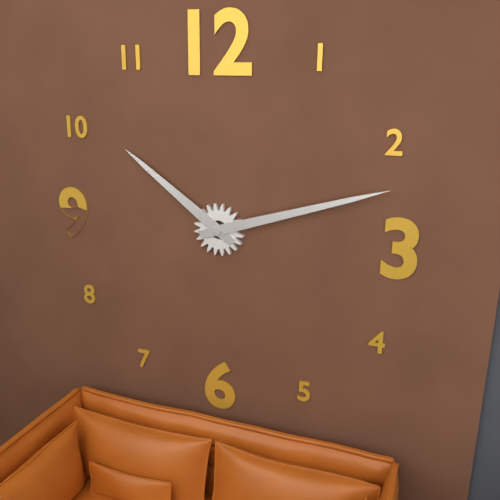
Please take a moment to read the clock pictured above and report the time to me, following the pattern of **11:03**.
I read **10:12**
